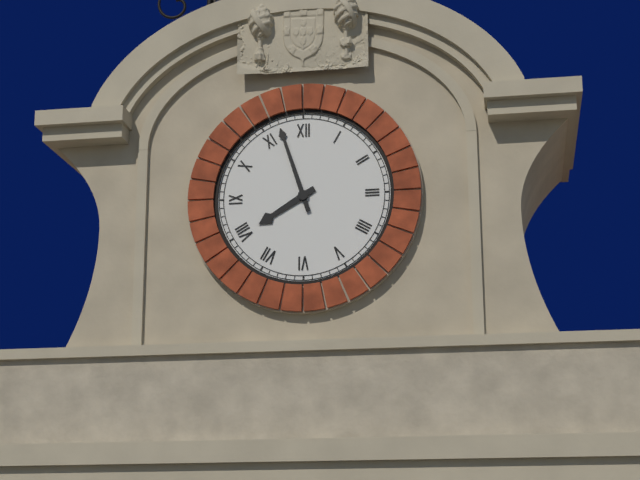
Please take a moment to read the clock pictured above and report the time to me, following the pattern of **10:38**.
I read **7:57**
